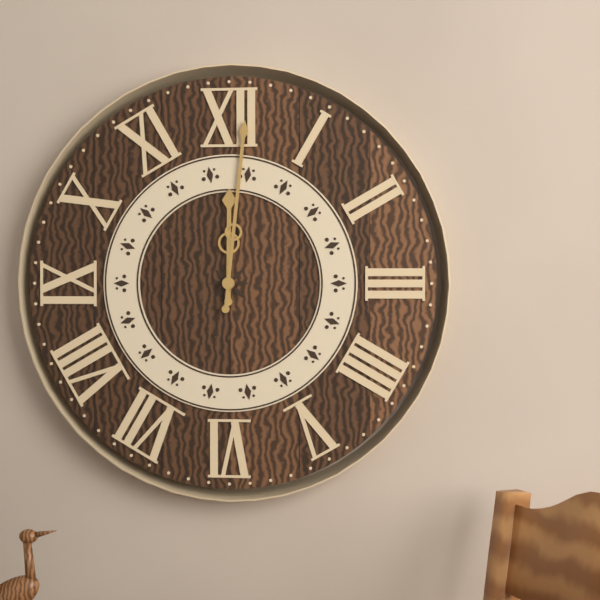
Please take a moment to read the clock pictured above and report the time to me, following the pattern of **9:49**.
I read **12:01**
